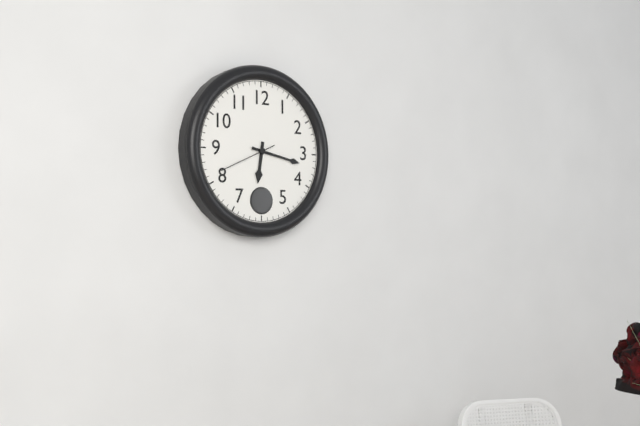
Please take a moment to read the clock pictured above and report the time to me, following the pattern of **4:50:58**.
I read **6:17:41**
